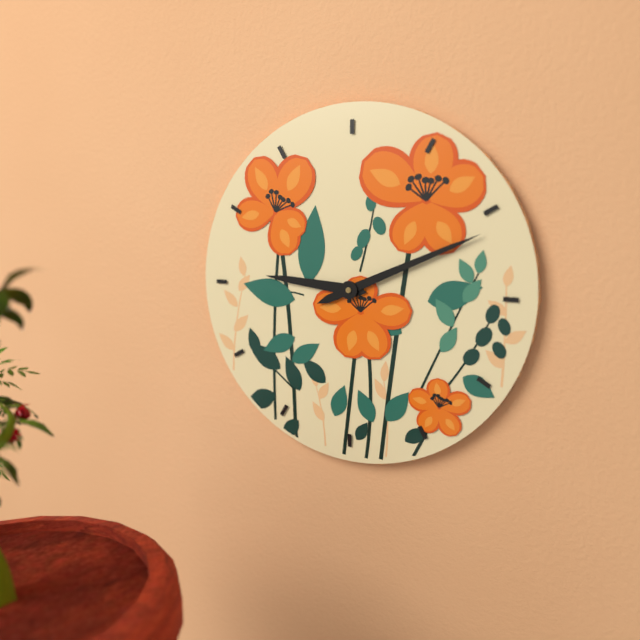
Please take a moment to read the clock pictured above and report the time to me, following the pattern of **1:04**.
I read **9:11**
